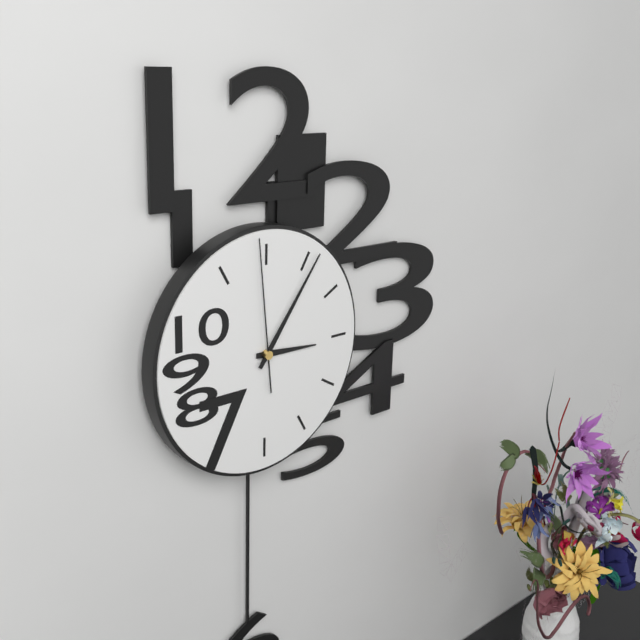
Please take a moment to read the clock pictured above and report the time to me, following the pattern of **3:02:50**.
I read **3:06:59**
